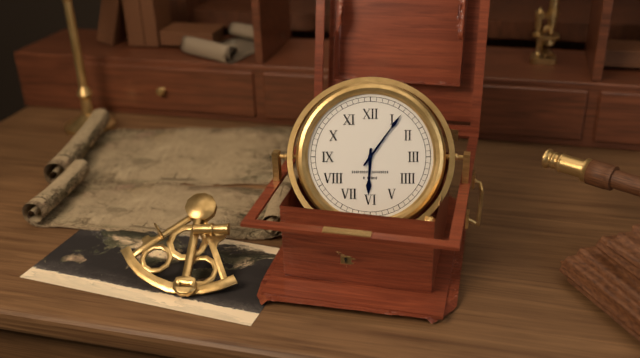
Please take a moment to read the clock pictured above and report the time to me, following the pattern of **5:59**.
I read **6:06**
